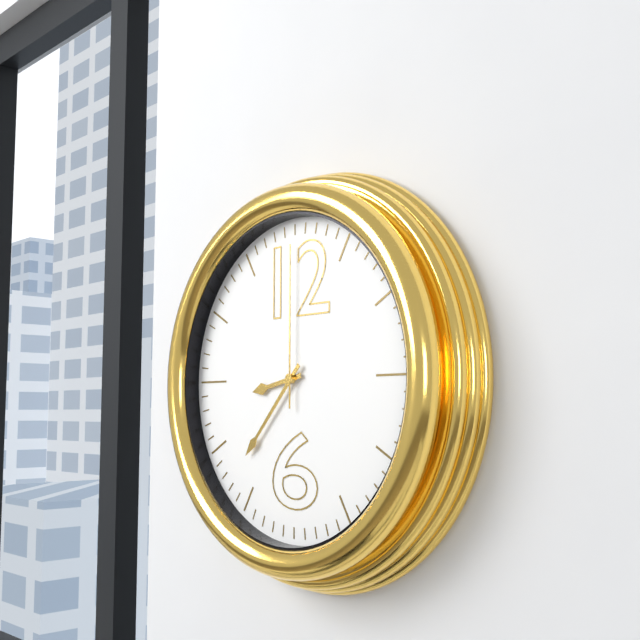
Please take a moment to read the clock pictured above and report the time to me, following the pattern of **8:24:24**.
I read **8:37:00**
